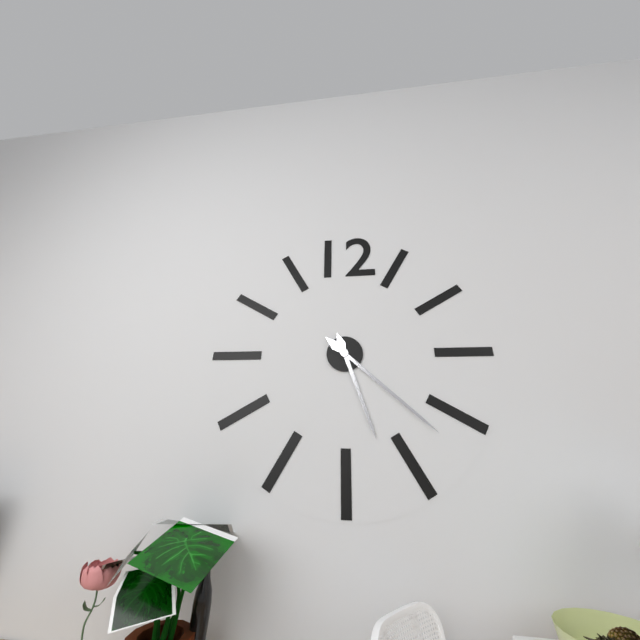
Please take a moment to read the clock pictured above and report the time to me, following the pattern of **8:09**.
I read **5:22**
